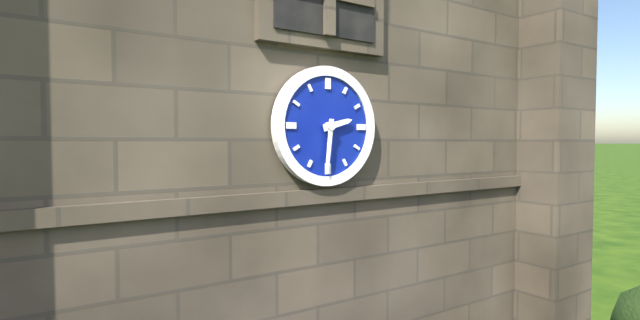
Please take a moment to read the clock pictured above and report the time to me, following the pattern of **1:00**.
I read **2:31**
